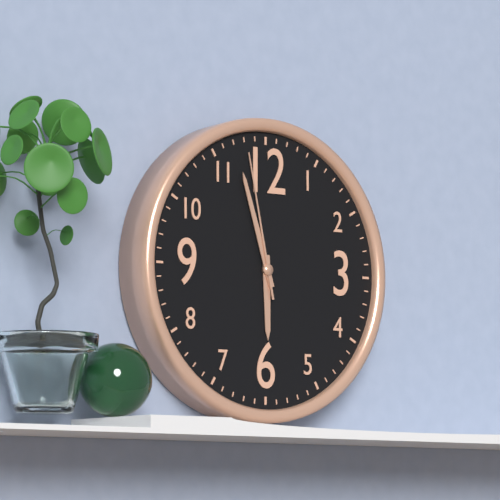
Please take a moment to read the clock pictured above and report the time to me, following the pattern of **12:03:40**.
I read **5:57:58**
